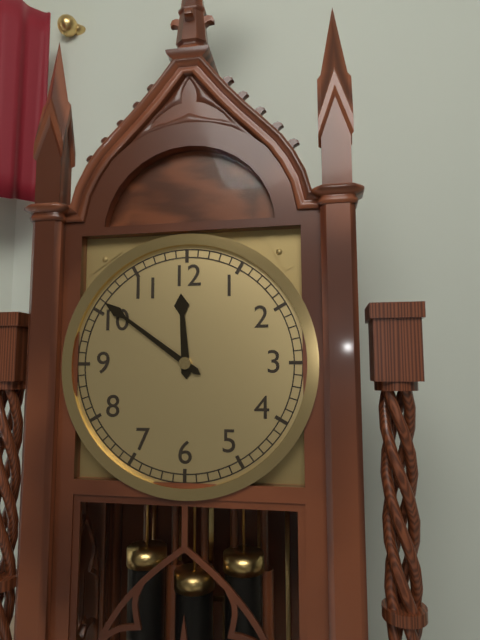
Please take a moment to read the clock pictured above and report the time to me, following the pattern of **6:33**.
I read **11:51**
